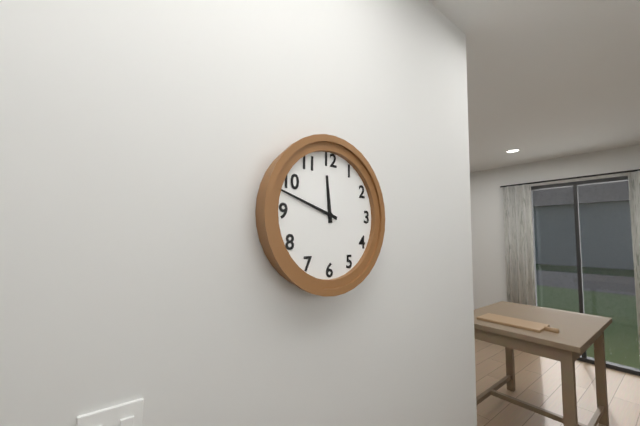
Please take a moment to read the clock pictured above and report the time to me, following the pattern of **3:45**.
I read **11:48**
